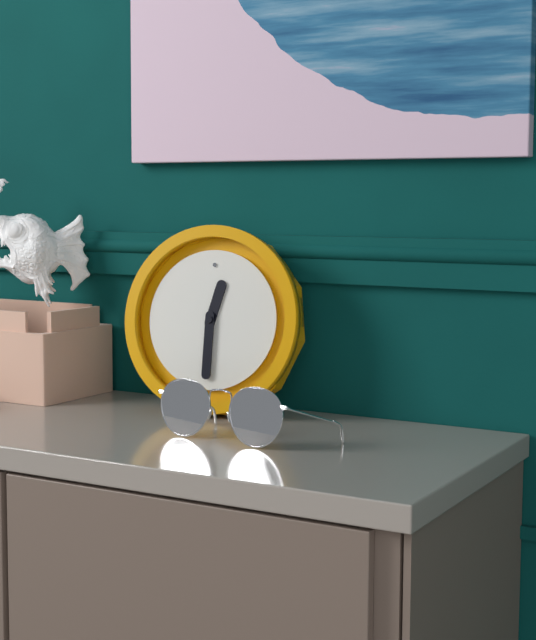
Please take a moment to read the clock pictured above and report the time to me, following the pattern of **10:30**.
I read **12:30**
